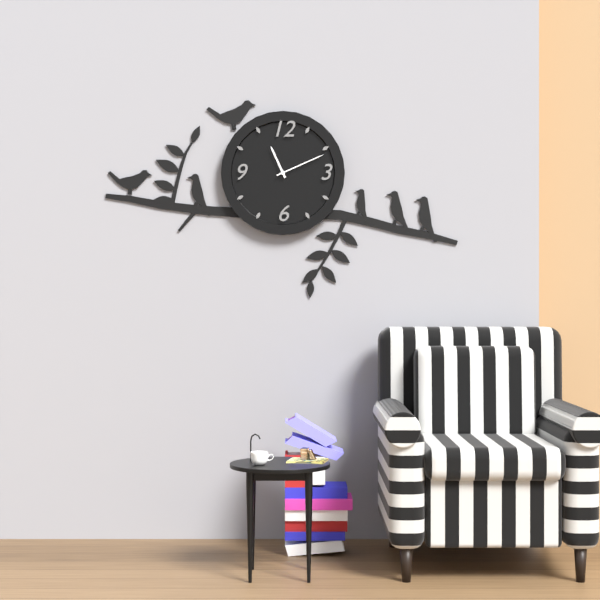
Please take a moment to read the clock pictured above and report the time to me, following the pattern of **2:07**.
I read **11:11**
